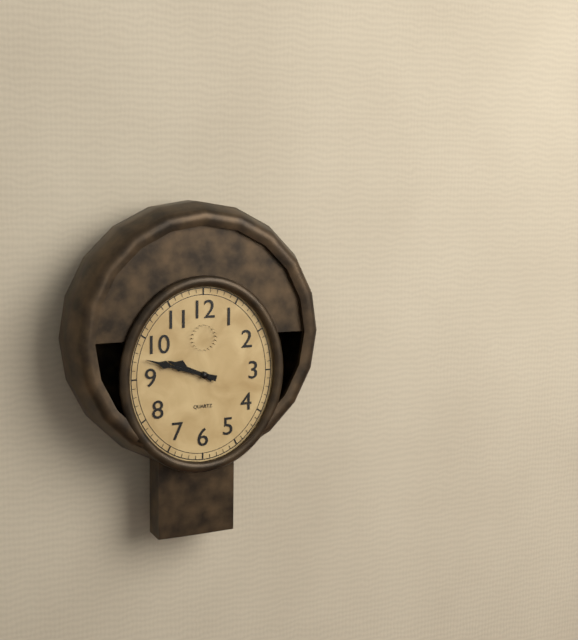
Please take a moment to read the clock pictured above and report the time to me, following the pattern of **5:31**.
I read **9:48**
